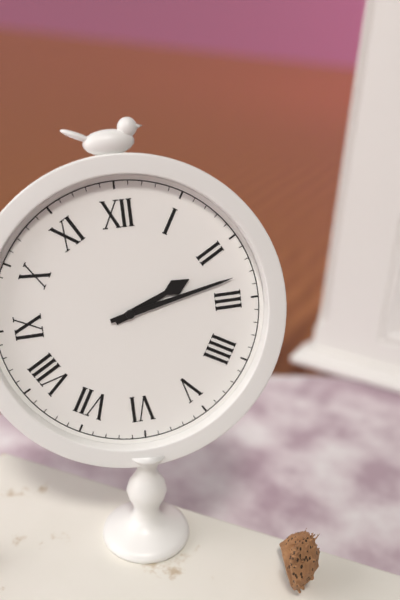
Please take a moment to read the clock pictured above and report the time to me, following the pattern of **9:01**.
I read **2:13**
